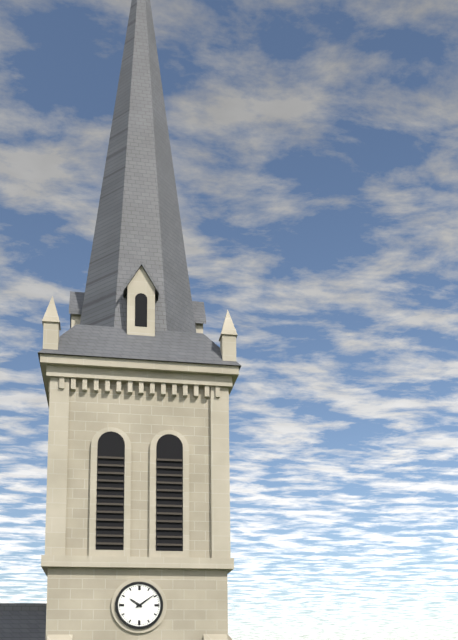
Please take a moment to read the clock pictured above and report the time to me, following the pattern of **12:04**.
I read **10:09**
